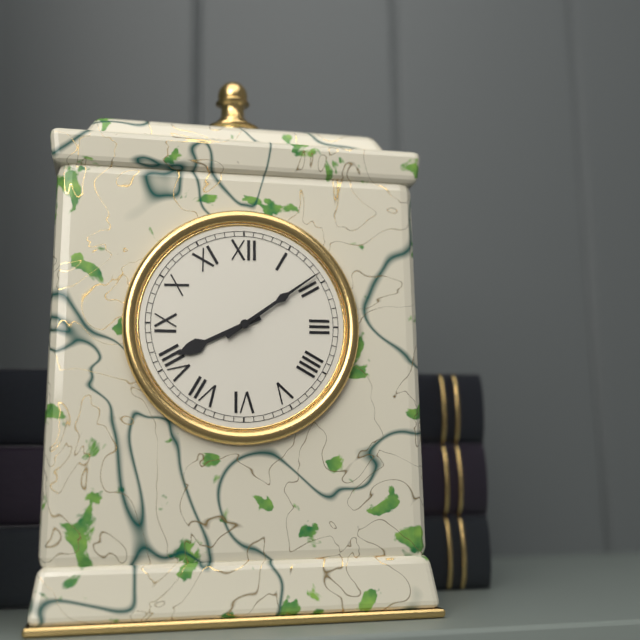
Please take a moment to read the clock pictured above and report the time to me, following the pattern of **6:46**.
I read **8:09**
